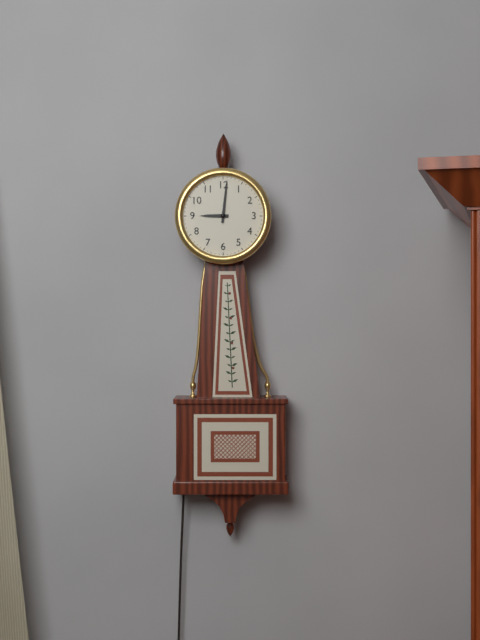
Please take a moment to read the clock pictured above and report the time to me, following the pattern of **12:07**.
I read **9:01**
